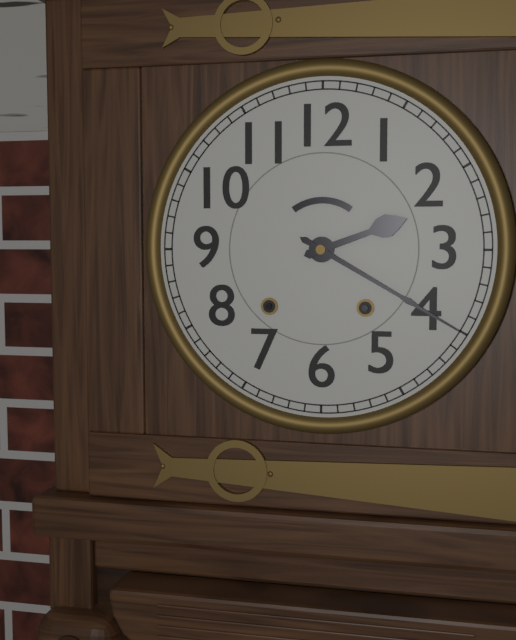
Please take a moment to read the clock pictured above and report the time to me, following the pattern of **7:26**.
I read **2:20**
